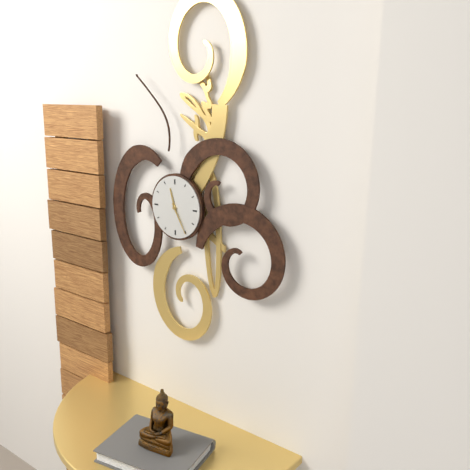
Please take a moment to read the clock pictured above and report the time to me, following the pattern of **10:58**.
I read **11:25**
